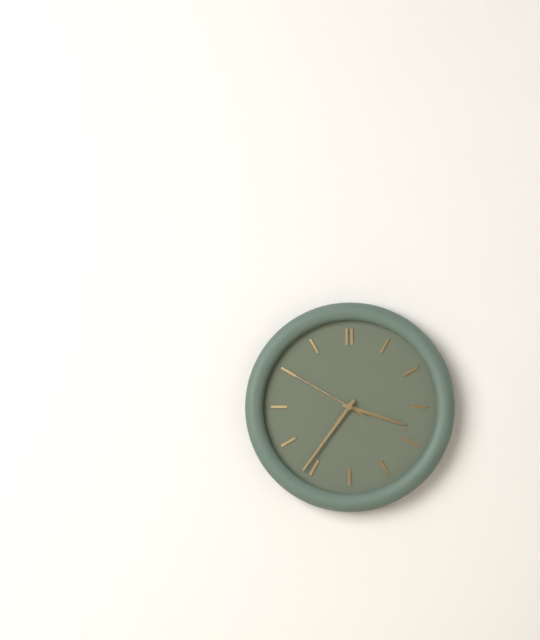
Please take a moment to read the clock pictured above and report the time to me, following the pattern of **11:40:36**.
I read **3:36:50**
